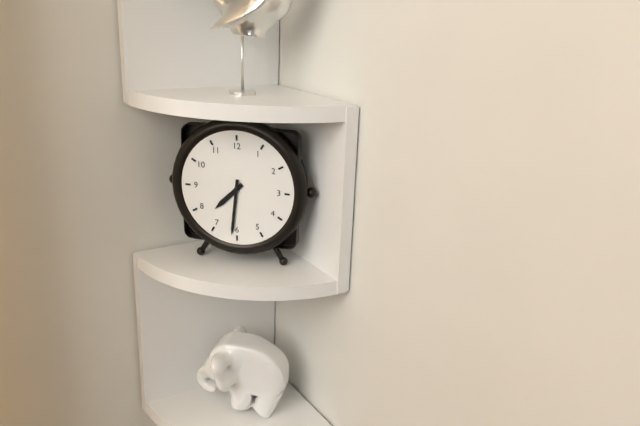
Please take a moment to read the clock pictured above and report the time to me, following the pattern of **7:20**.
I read **7:31**
